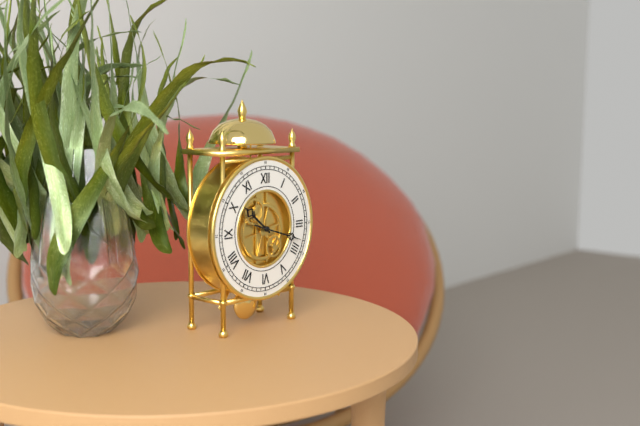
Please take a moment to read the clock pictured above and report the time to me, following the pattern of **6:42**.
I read **10:18**
